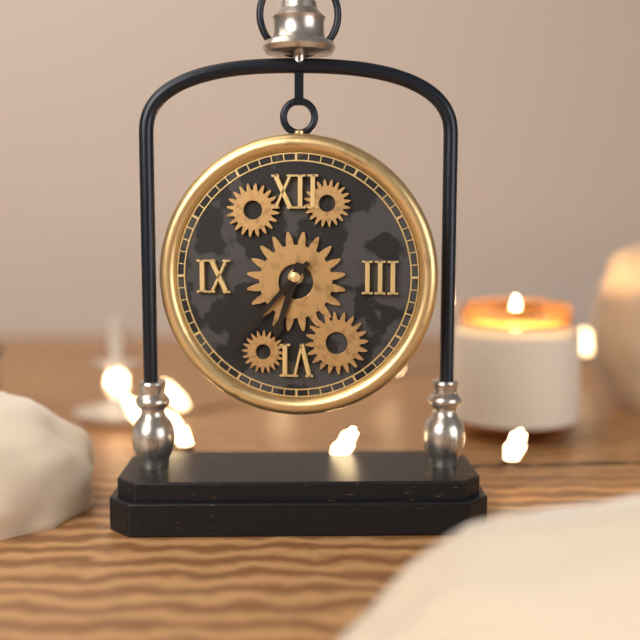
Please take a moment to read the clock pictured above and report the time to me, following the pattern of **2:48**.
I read **6:37**
